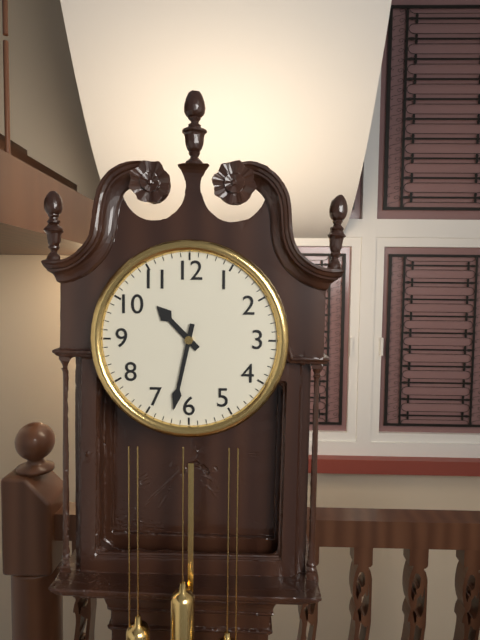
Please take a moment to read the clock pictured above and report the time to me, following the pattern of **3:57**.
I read **10:32**
